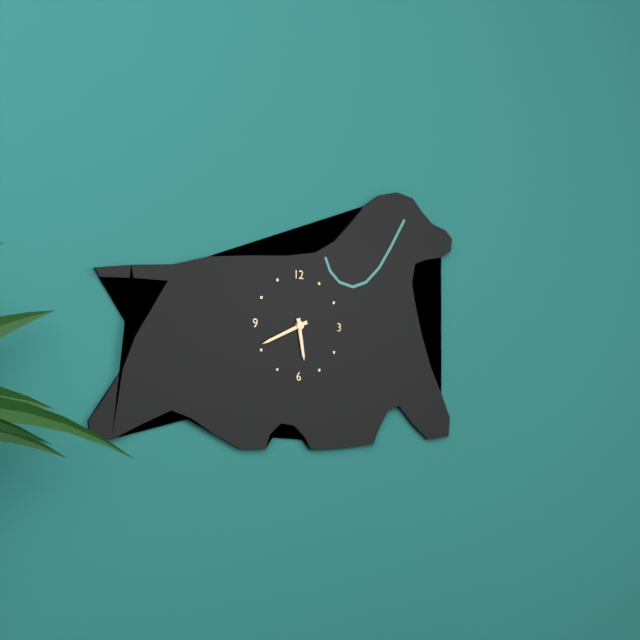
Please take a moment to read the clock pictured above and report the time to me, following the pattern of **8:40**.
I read **5:41**
